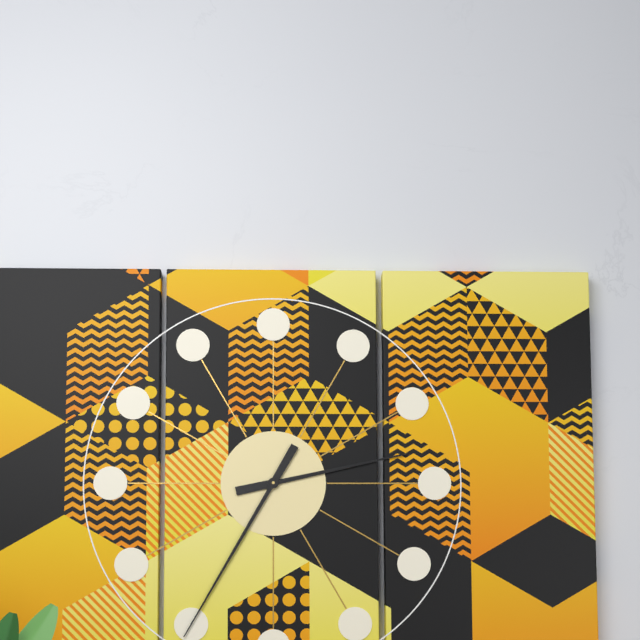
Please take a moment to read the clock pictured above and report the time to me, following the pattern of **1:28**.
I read **2:35**
